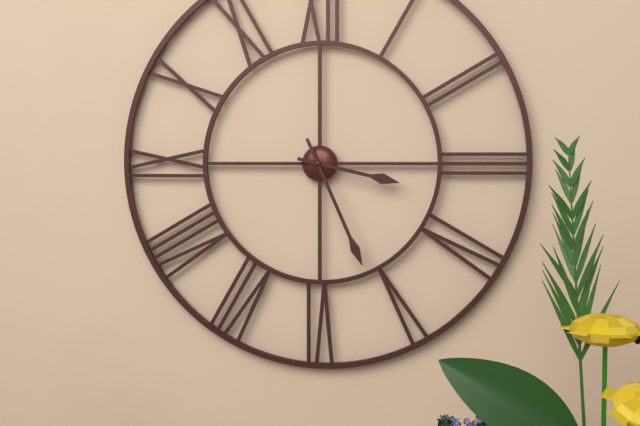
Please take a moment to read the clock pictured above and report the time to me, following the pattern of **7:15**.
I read **3:26**
